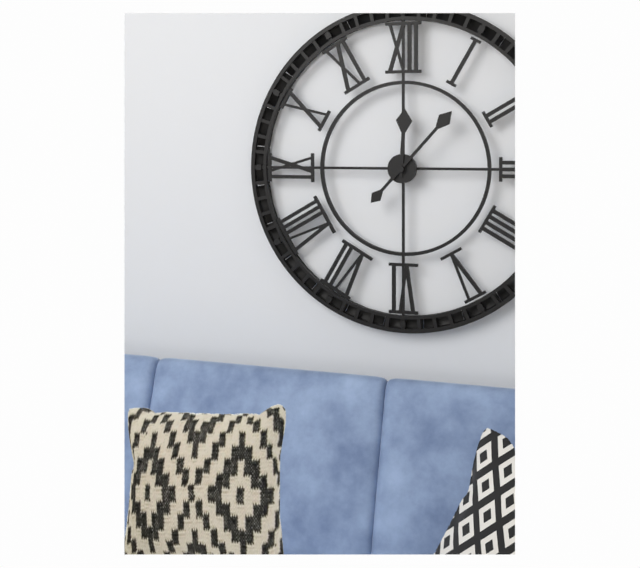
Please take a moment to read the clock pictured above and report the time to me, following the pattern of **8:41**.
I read **12:07**
